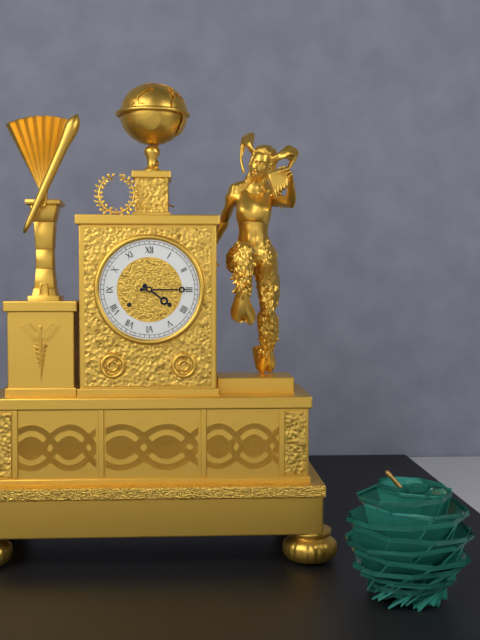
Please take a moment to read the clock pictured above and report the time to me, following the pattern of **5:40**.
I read **4:15**
